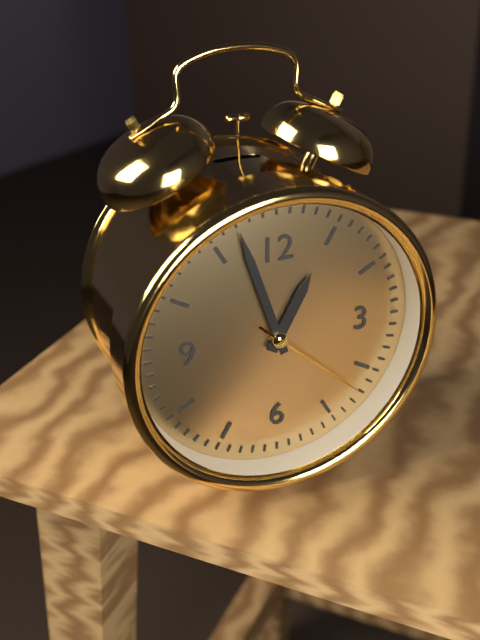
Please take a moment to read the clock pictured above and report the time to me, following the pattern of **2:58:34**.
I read **12:57:22**
